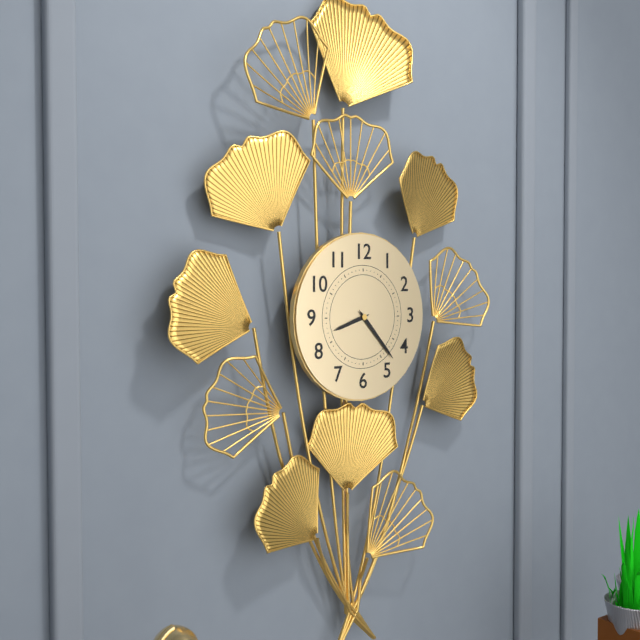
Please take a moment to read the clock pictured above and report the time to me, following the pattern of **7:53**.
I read **8:23**
